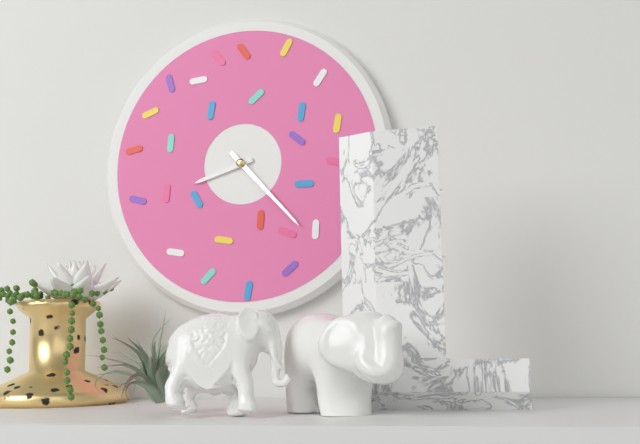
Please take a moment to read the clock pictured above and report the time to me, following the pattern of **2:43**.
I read **8:23**
